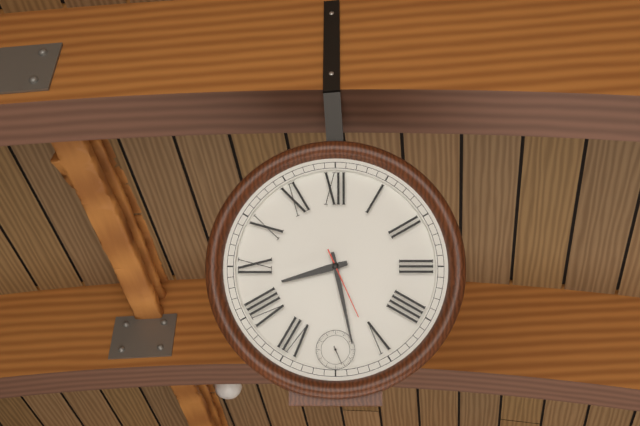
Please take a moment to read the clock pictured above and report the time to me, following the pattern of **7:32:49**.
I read **8:28:26**
